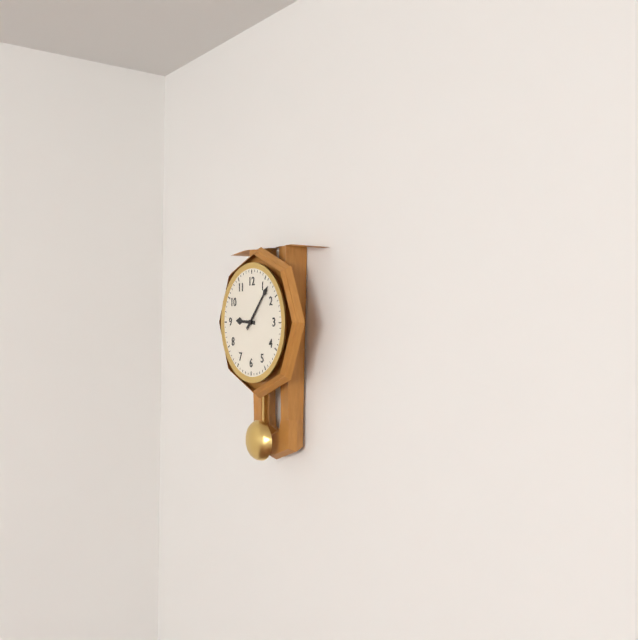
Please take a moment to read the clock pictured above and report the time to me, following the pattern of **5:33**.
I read **9:07**
